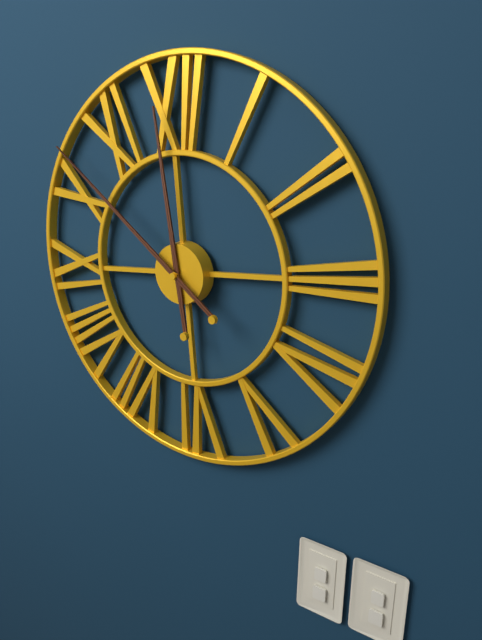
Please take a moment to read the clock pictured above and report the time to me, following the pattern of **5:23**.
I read **11:52**
